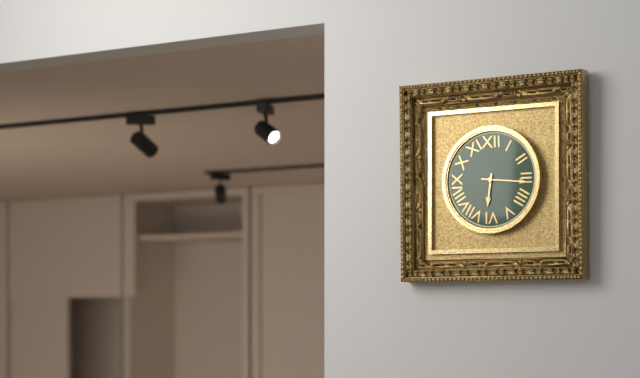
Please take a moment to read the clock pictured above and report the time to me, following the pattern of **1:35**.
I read **6:16**
